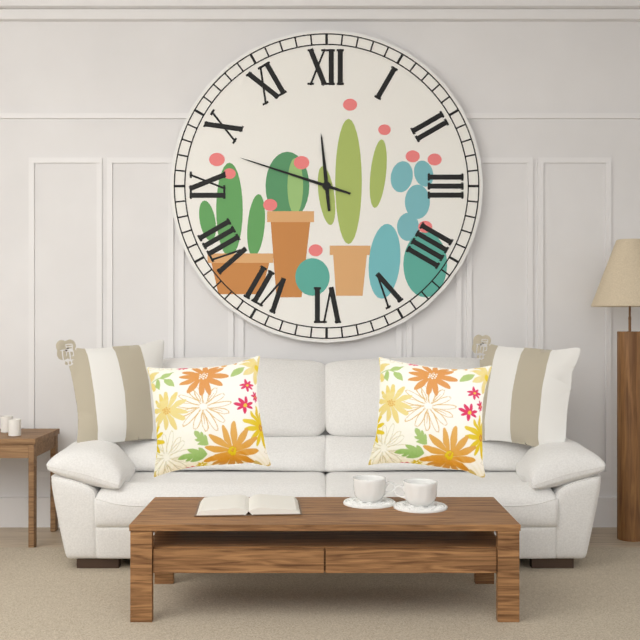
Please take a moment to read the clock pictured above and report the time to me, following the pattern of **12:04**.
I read **11:48**
